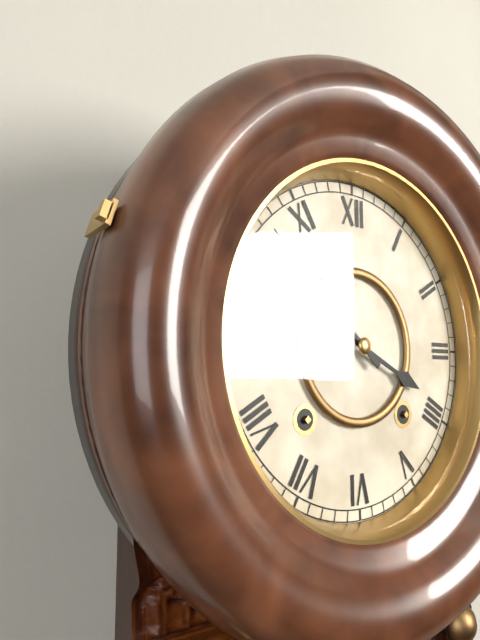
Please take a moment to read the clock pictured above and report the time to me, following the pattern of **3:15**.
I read **3:52**
